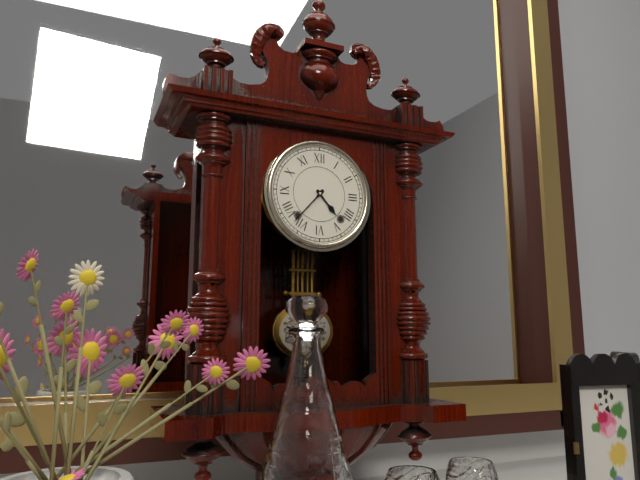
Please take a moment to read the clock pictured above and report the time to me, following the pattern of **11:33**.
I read **4:37**
